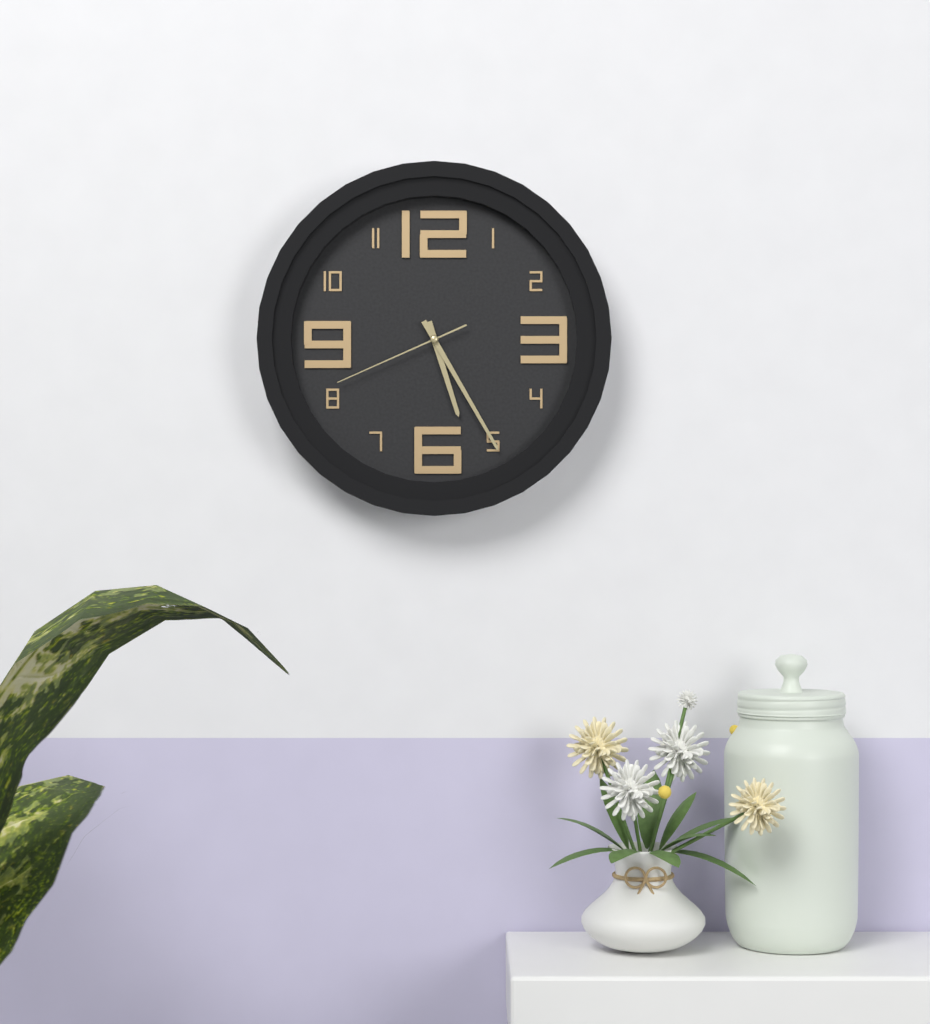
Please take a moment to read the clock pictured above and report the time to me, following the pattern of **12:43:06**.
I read **5:25:41**
